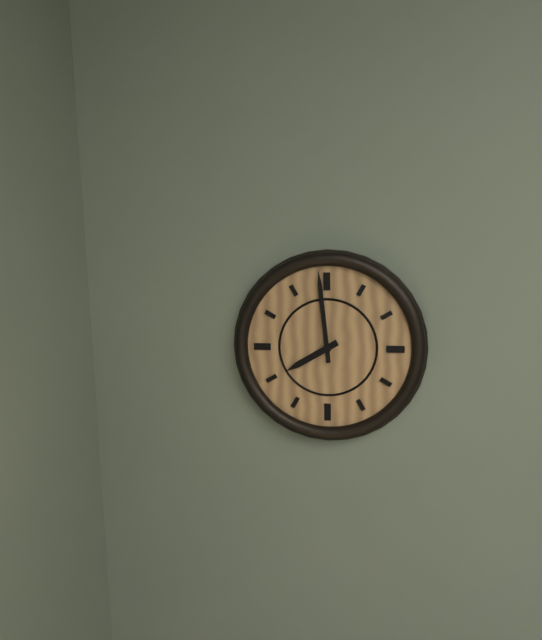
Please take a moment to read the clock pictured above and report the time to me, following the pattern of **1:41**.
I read **7:59**
